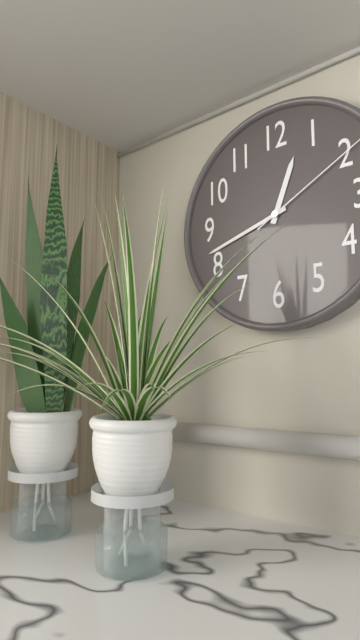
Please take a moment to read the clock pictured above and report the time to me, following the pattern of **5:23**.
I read **12:42**
